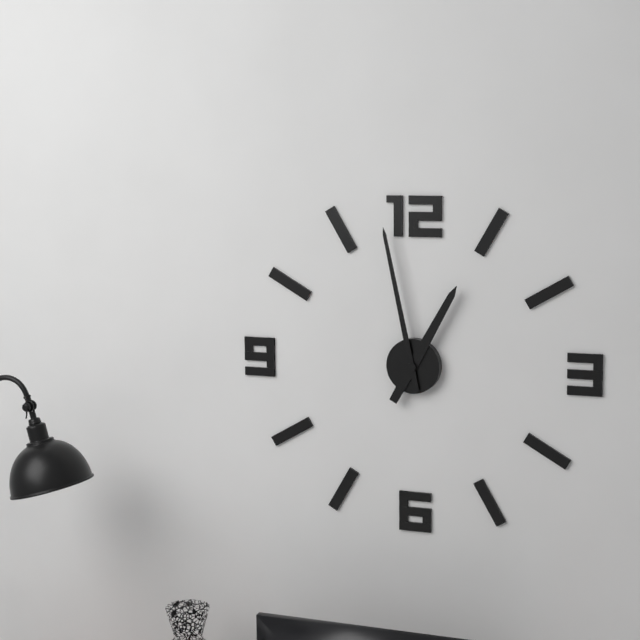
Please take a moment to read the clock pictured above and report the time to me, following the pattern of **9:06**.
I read **12:58**
